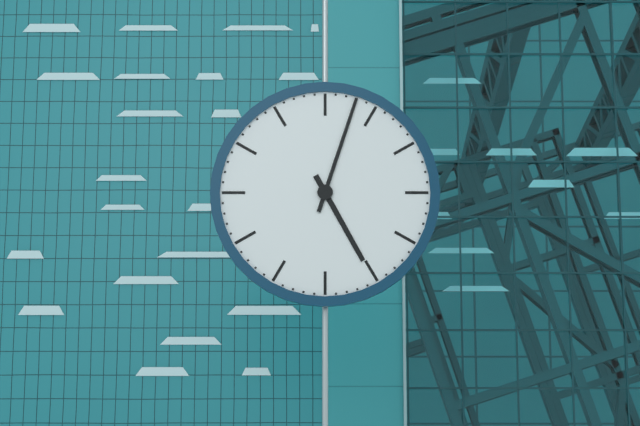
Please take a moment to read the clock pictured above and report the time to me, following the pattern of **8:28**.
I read **5:03**
